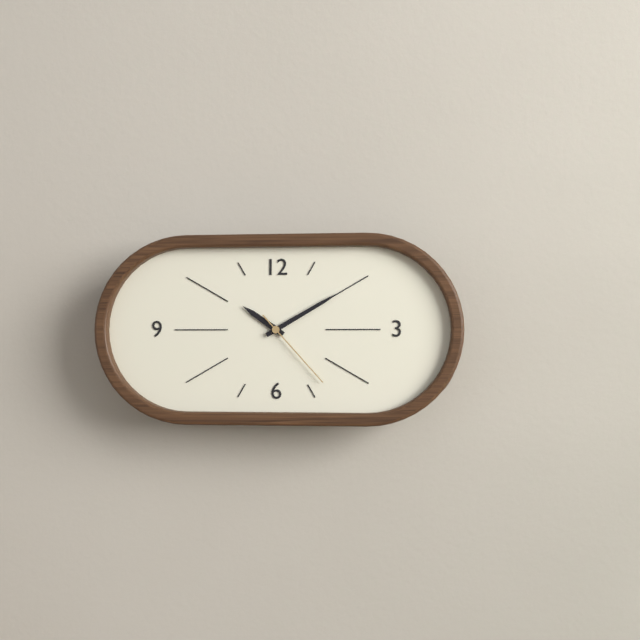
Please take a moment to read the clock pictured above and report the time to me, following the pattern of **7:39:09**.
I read **10:10:23**
